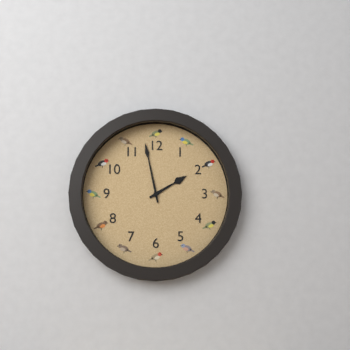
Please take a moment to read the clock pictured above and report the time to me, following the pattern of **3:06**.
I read **1:58**
